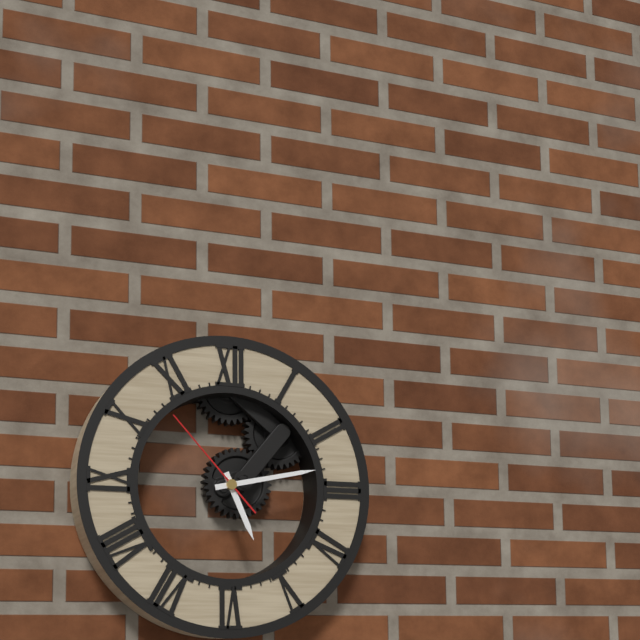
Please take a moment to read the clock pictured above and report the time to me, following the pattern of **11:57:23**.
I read **5:13:53**
